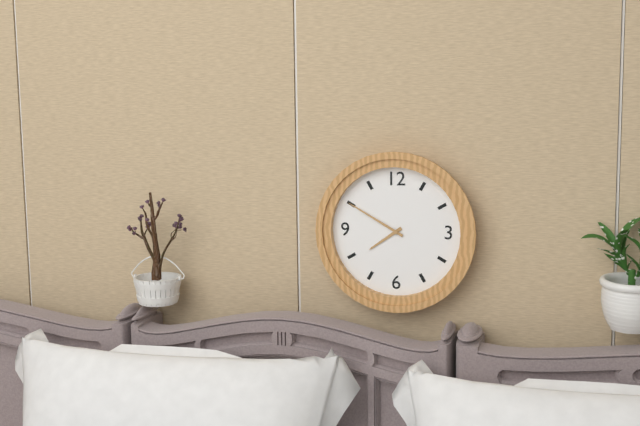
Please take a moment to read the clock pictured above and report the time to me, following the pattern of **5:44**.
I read **7:50**
